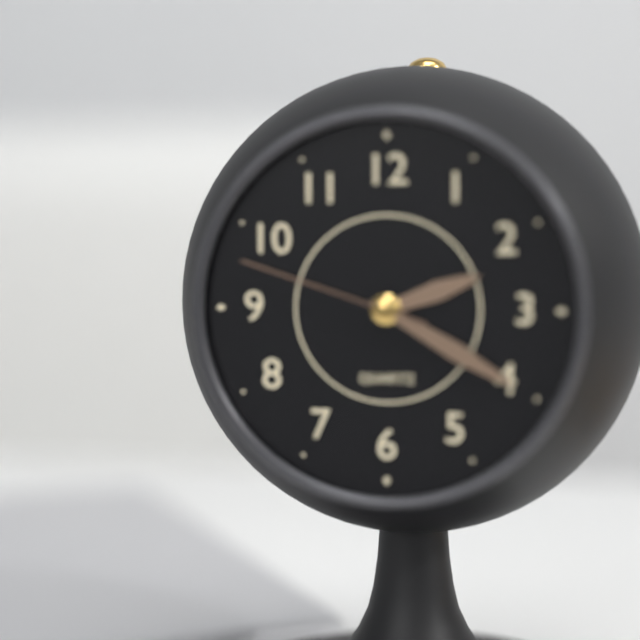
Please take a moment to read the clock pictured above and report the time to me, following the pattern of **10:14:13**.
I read **2:20:48**
